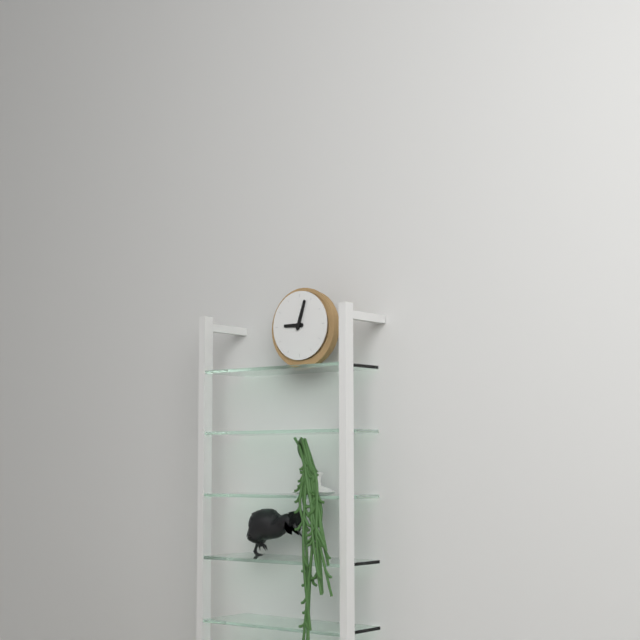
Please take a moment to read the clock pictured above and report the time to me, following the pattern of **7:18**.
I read **9:03**
